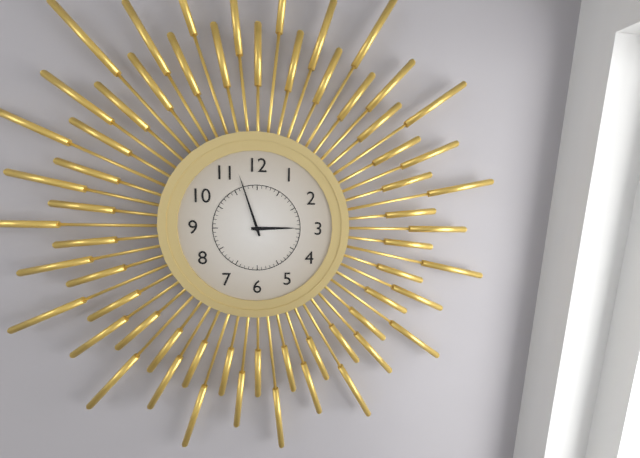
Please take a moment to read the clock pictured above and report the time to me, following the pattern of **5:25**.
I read **2:57**
